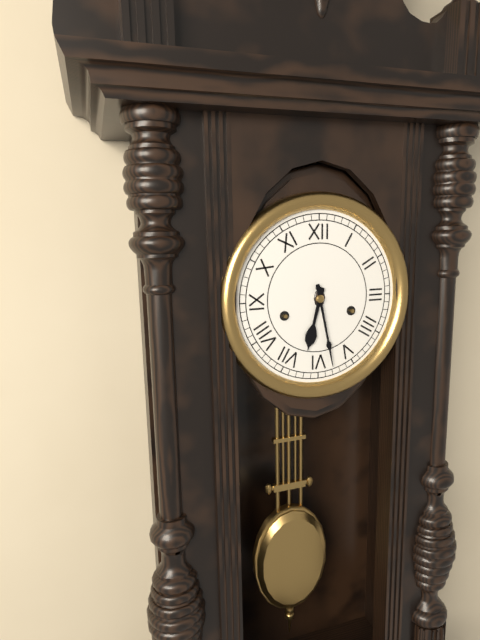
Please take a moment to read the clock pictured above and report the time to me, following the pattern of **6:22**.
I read **6:28**
